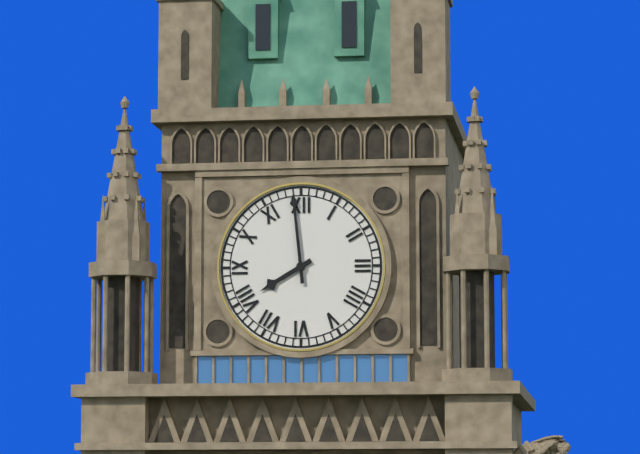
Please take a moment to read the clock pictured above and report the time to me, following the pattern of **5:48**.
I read **7:59**
